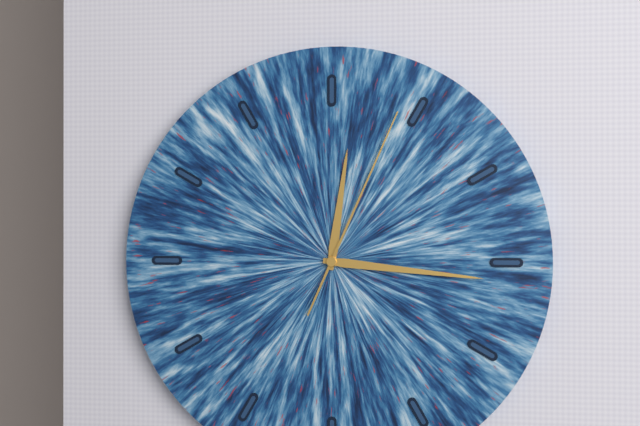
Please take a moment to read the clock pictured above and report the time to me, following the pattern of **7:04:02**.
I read **12:16:04**
